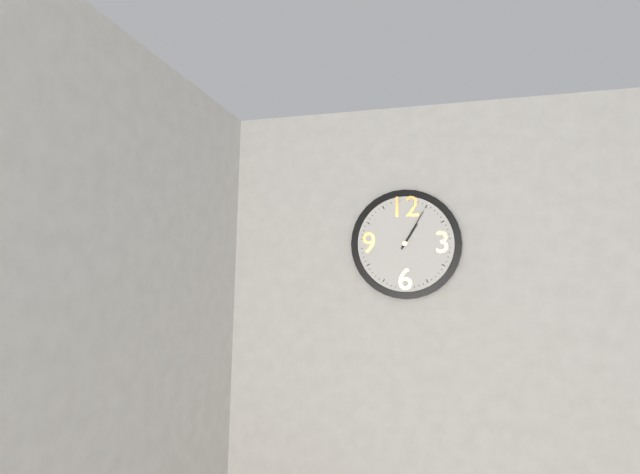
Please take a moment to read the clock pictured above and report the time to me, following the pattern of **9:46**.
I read **1:05**
